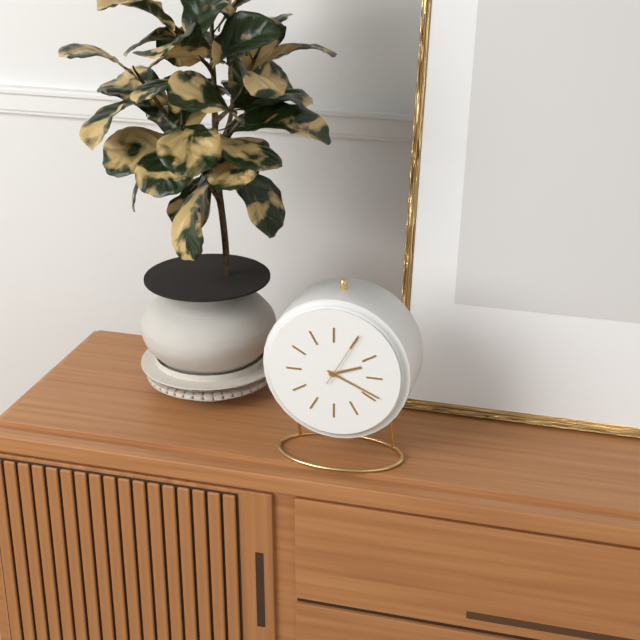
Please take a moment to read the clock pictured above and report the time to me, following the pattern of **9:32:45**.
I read **2:19:05**
